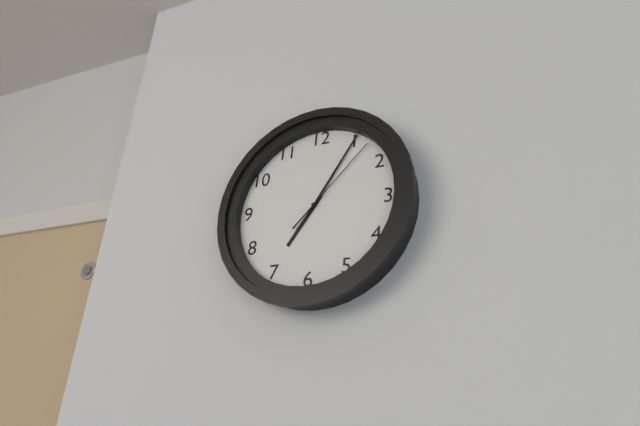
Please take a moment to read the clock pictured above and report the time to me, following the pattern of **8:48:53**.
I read **7:05:07**
